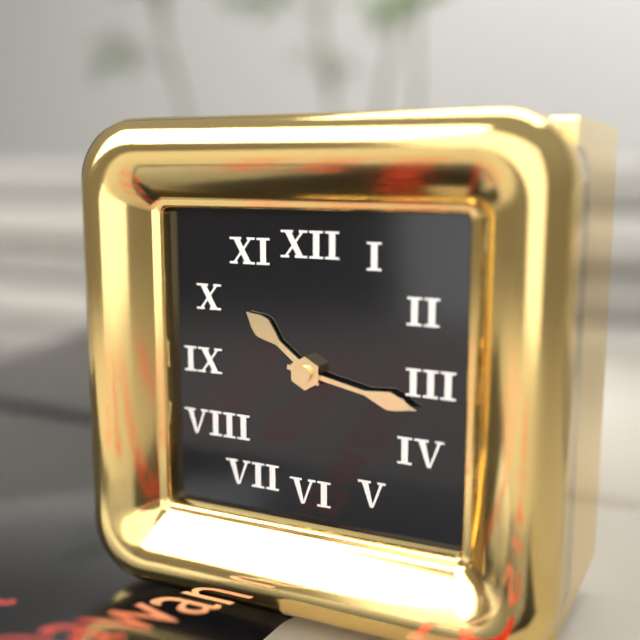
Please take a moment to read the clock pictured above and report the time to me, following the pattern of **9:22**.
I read **10:17**
